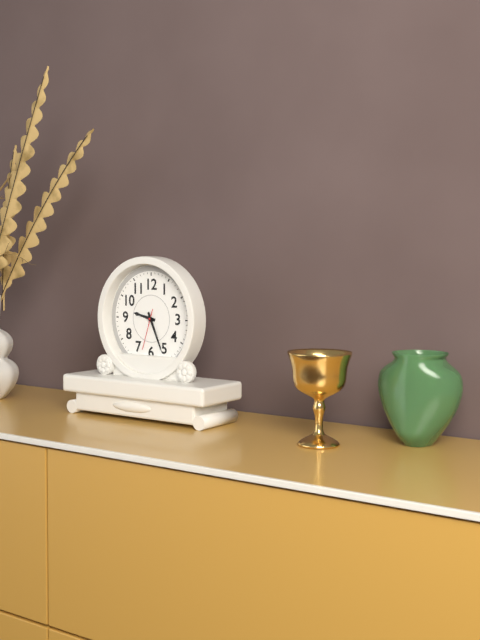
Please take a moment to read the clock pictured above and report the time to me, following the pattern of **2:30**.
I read **9:26**
